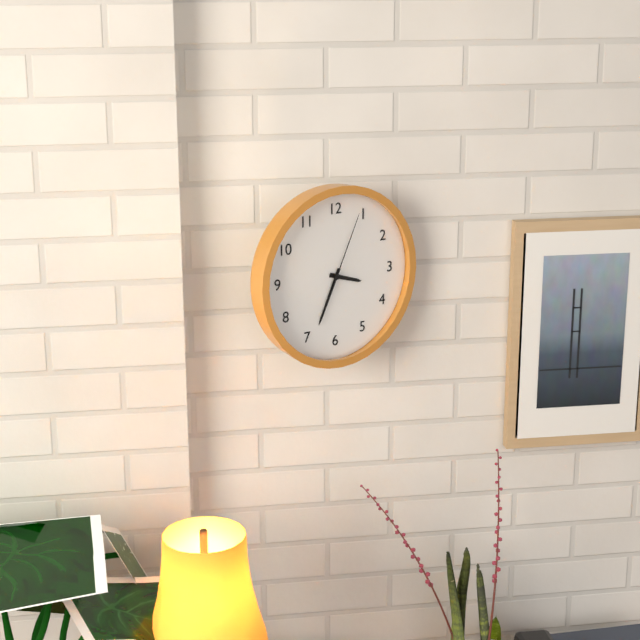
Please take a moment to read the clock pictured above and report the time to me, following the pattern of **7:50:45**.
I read **3:34:04**
